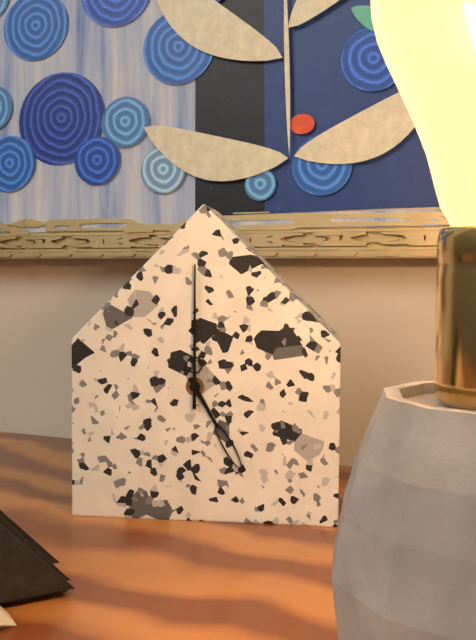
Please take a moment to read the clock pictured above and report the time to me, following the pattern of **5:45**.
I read **5:00**
